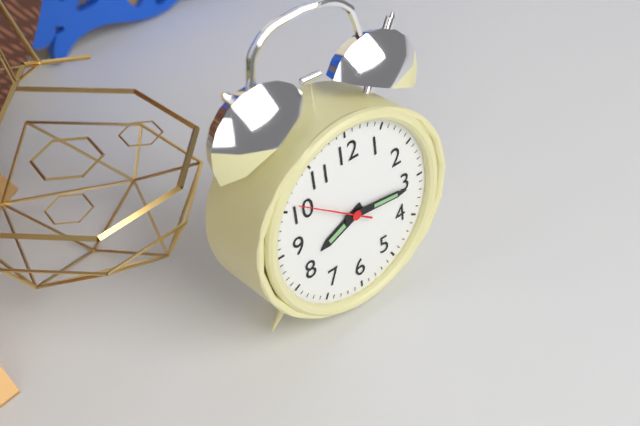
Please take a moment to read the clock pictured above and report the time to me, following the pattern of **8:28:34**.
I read **8:16:51**
